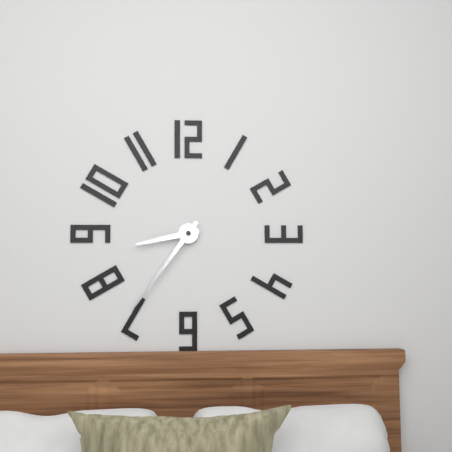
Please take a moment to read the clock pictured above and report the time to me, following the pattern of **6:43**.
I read **8:36**
